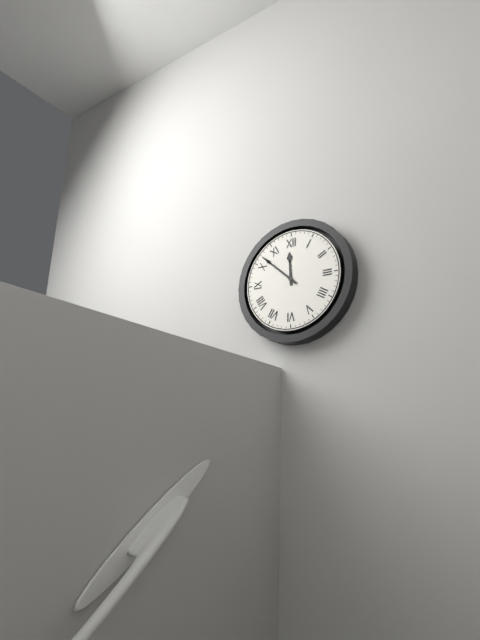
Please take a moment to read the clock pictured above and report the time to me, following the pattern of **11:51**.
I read **11:52**
